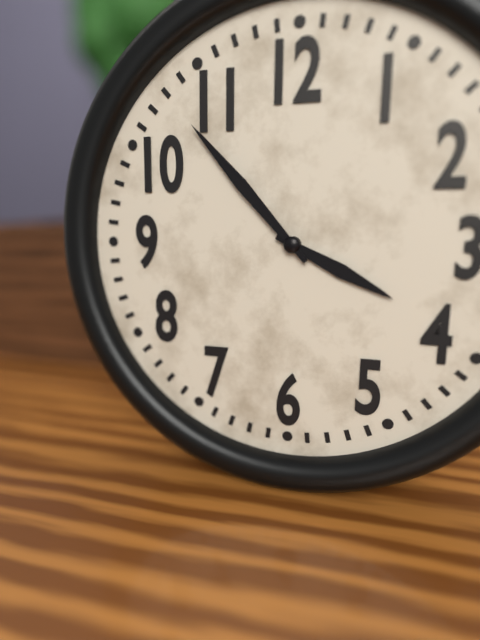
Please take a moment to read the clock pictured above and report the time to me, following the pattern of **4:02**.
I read **3:53**
